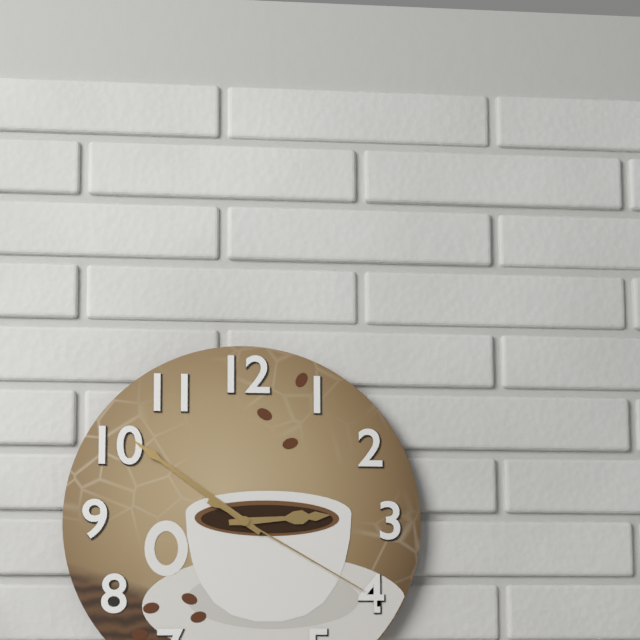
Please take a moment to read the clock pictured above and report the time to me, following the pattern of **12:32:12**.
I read **2:51:20**
